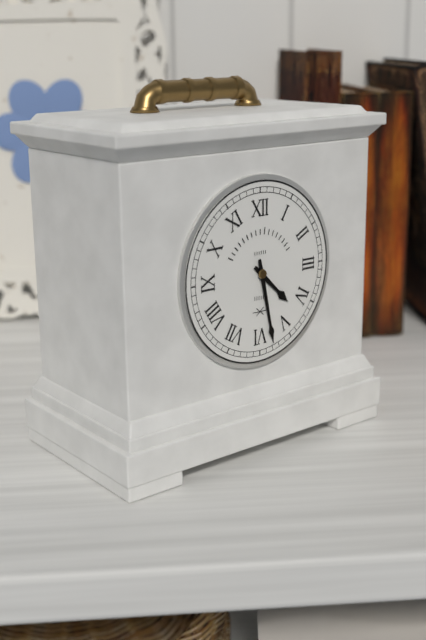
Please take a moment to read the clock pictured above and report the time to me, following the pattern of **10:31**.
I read **4:28**
